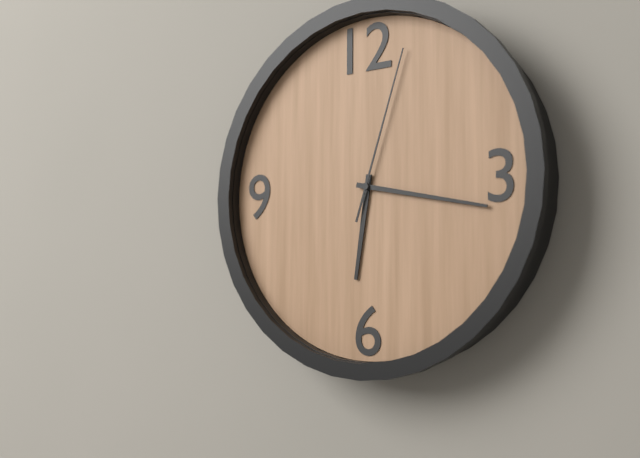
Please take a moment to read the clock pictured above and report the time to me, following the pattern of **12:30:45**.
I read **6:17:03**
